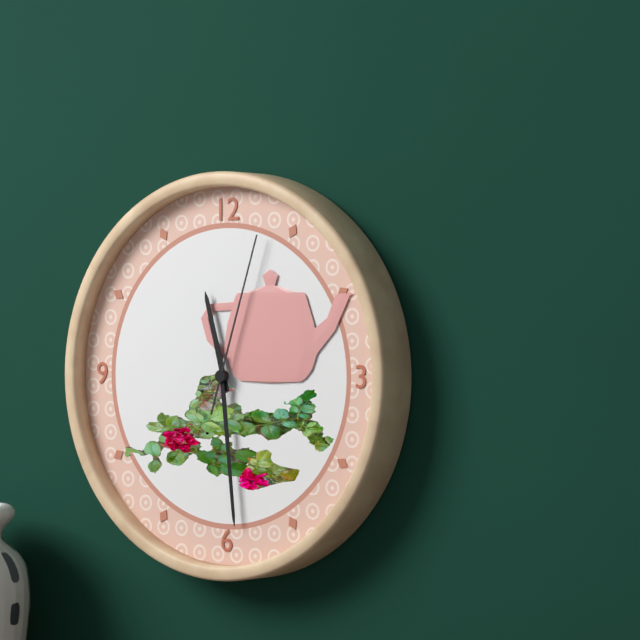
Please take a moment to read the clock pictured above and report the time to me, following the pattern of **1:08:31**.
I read **11:29:03**
